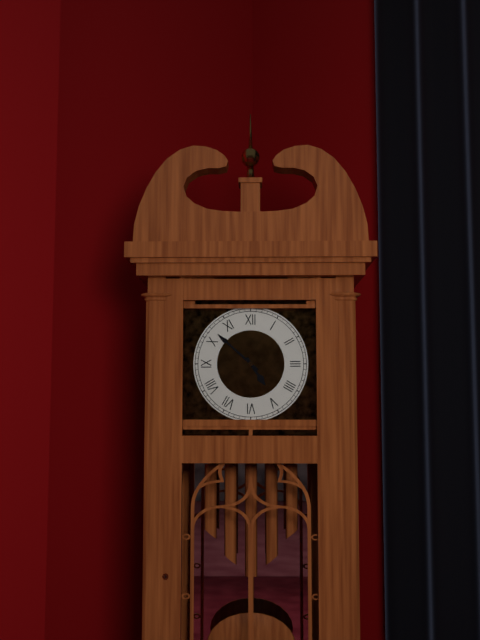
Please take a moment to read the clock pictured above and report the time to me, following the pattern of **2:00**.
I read **4:52**
